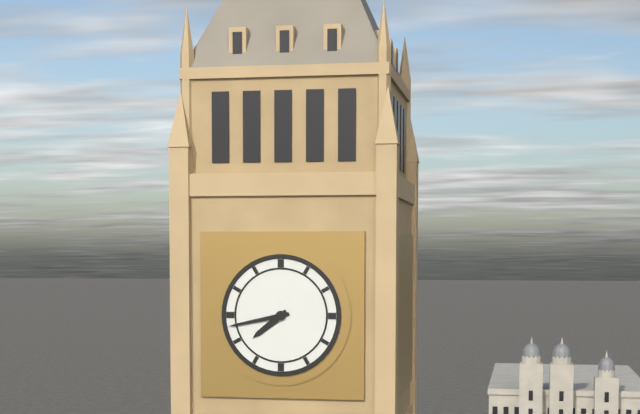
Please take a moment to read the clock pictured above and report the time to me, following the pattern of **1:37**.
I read **7:43**
